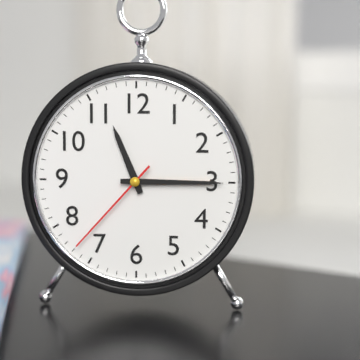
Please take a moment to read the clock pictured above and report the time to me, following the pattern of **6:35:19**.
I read **11:15:37**
